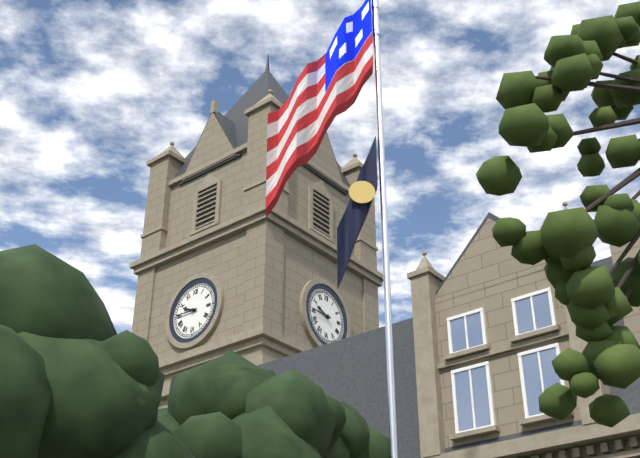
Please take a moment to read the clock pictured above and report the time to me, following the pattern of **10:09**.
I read **9:45**
